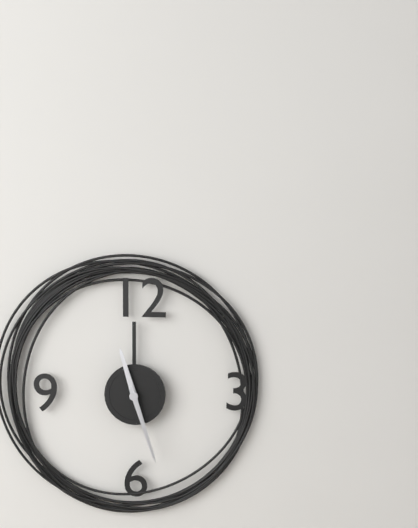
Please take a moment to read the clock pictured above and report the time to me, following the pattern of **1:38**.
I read **11:27**
